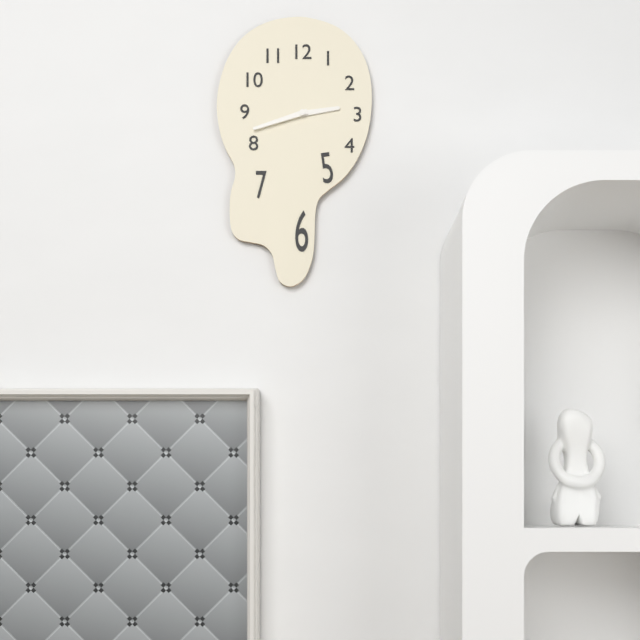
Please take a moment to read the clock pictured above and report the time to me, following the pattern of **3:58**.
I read **2:42**
